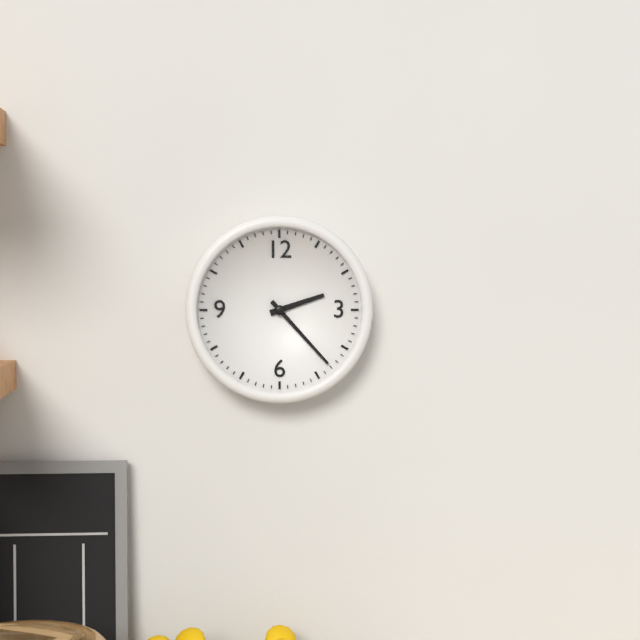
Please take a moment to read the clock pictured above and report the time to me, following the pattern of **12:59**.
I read **2:23**
